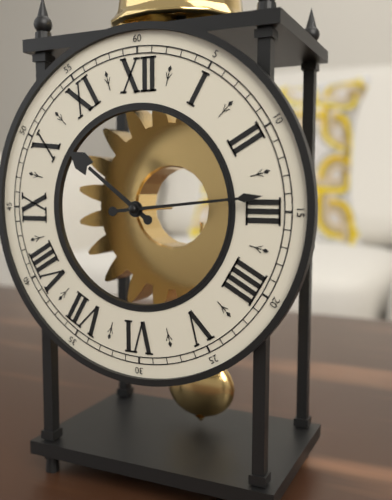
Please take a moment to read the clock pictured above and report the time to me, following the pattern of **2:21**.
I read **10:14**
